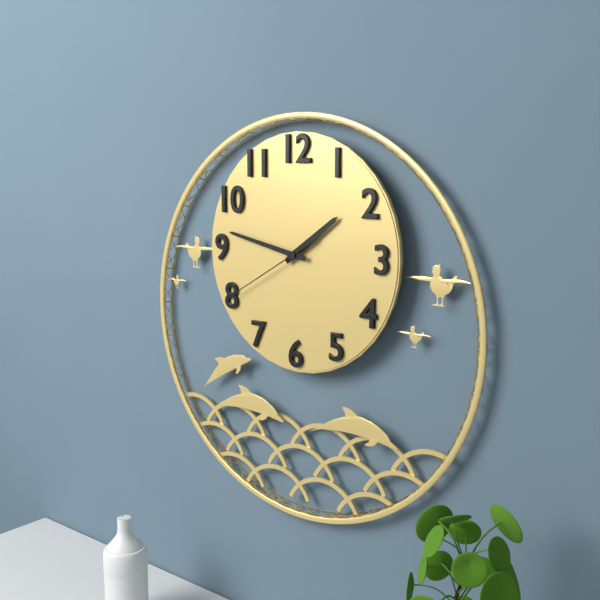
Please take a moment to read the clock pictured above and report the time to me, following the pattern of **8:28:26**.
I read **1:47:40**
